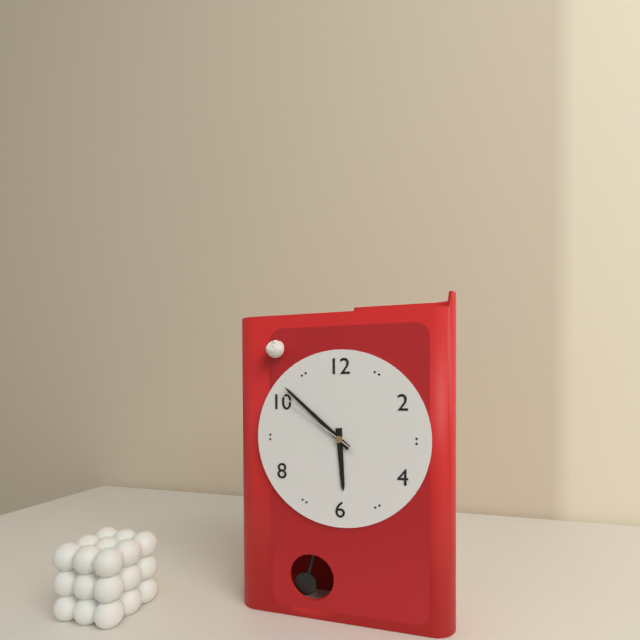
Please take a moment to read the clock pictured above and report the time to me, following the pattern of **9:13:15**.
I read **5:52:51**
